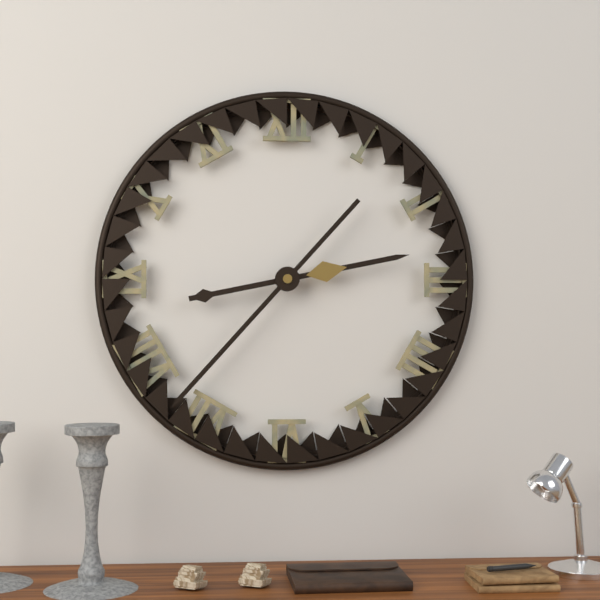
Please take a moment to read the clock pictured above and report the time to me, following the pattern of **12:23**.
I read **2:37**
